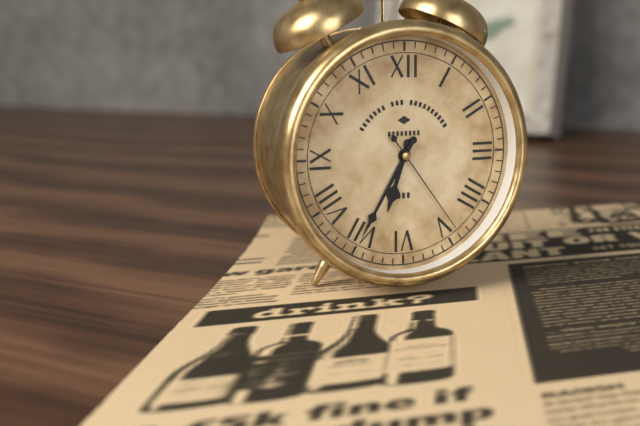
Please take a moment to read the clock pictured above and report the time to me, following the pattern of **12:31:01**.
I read **6:35:24**
